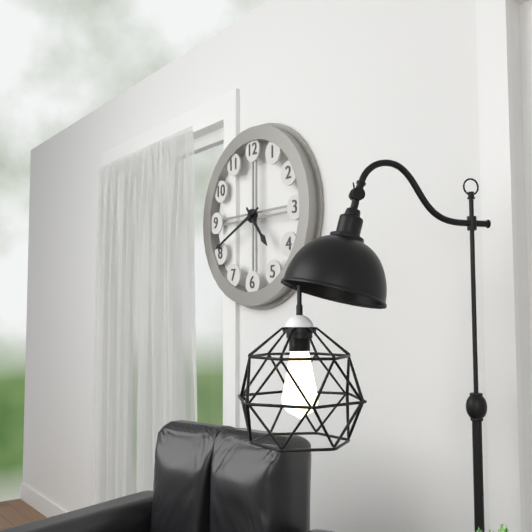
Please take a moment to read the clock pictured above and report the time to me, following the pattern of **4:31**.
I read **4:41**
